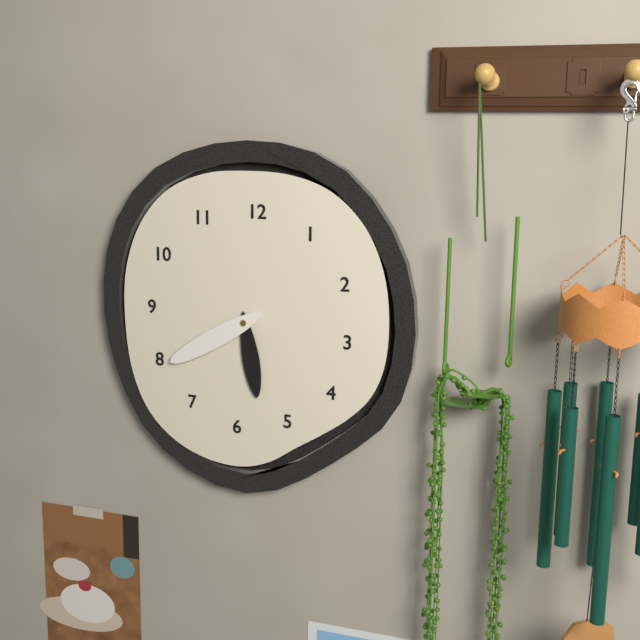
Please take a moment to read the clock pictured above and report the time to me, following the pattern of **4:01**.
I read **5:40**
